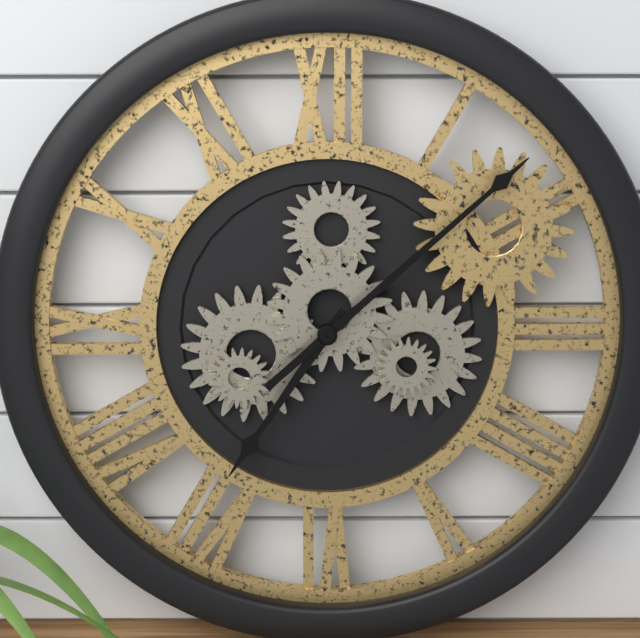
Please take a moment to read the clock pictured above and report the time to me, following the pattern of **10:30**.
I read **7:08**
